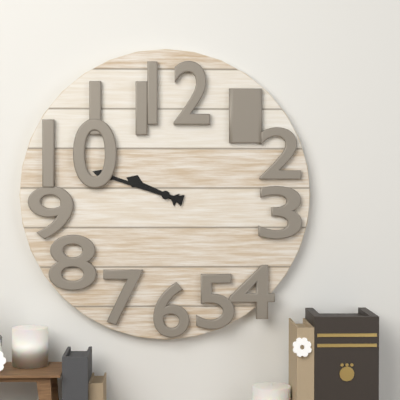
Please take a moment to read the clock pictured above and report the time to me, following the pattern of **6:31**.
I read **9:48**
